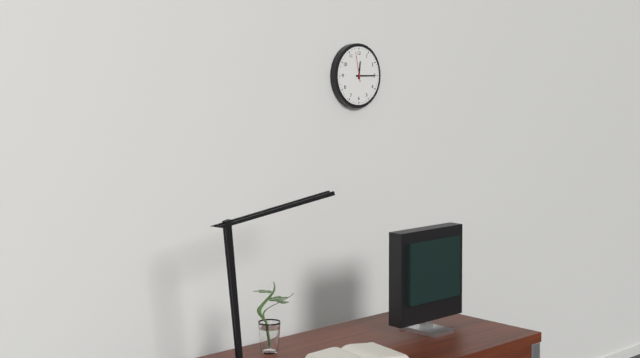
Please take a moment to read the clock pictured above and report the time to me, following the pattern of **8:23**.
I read **12:15**
